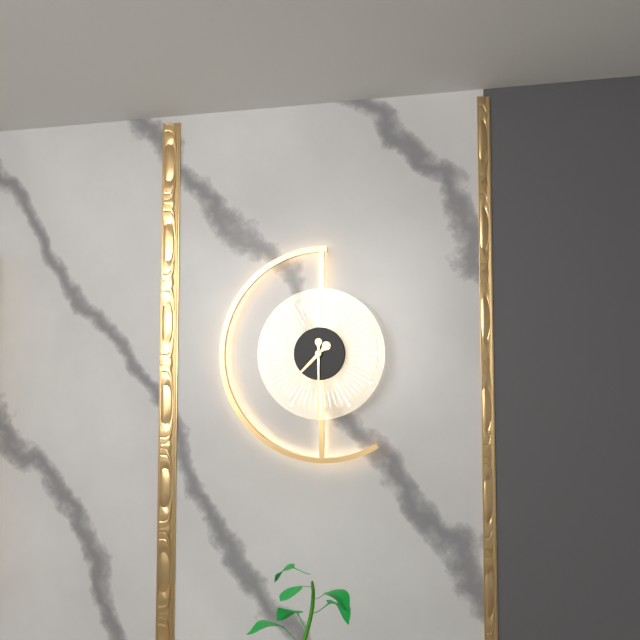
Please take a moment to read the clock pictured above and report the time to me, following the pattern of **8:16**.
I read **7:30**
